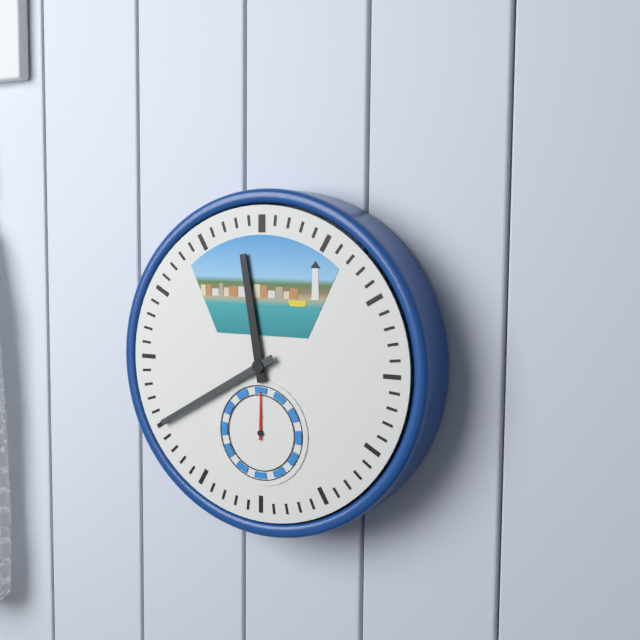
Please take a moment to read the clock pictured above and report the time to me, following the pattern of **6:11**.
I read **11:40**
